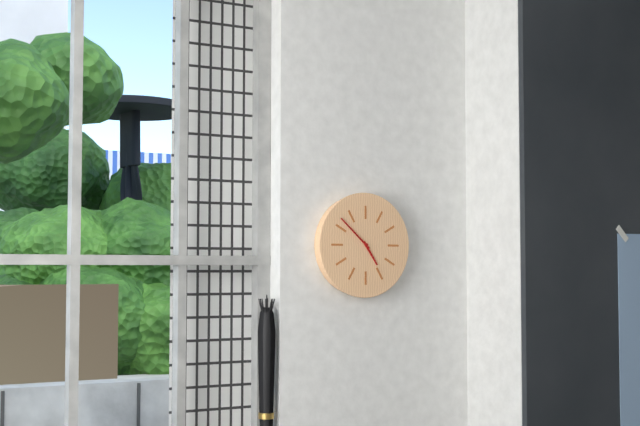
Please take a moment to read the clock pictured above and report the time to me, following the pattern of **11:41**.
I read **4:52**
